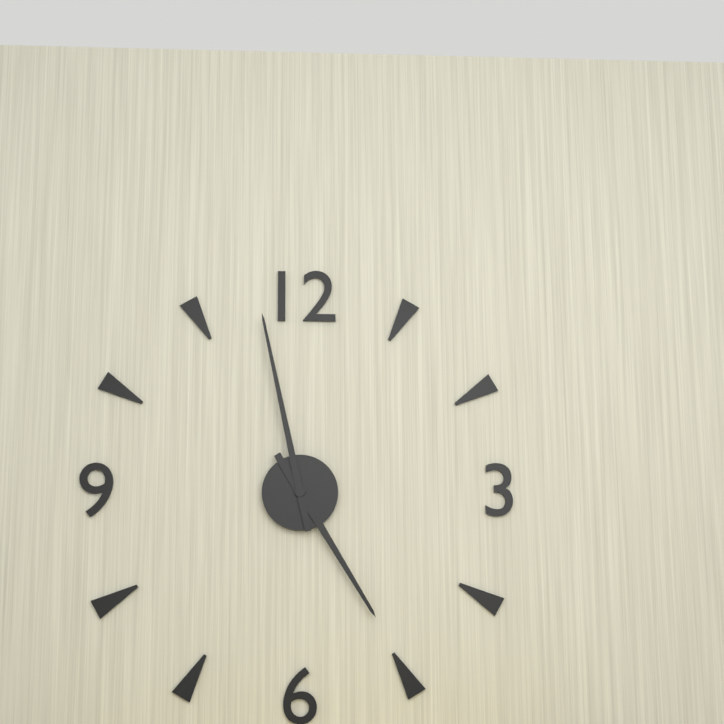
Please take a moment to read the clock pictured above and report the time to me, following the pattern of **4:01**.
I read **4:58**
